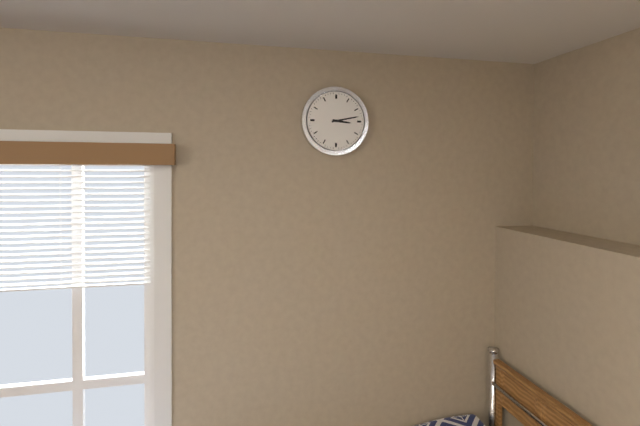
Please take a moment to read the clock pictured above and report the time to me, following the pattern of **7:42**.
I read **3:13**
